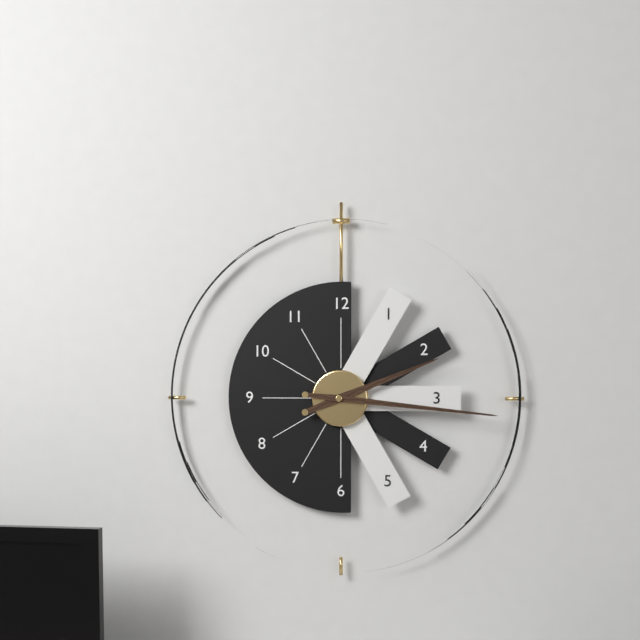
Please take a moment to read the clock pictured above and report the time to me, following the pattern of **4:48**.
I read **2:16**
